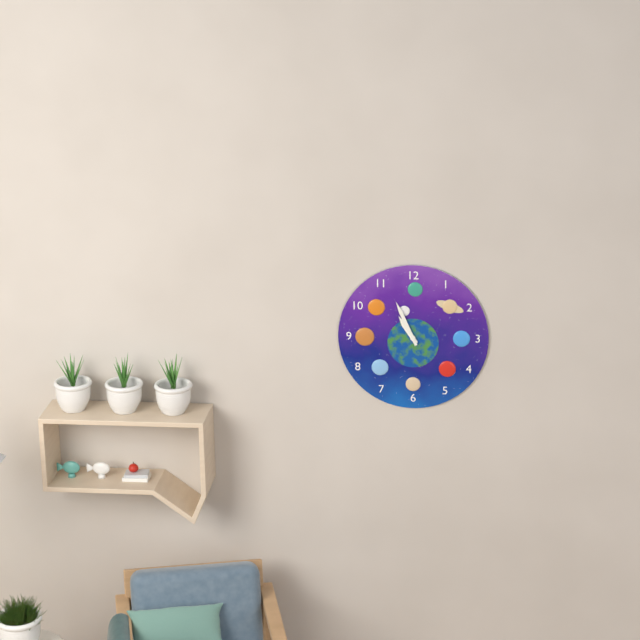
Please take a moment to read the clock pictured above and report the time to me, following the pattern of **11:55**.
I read **10:56**
